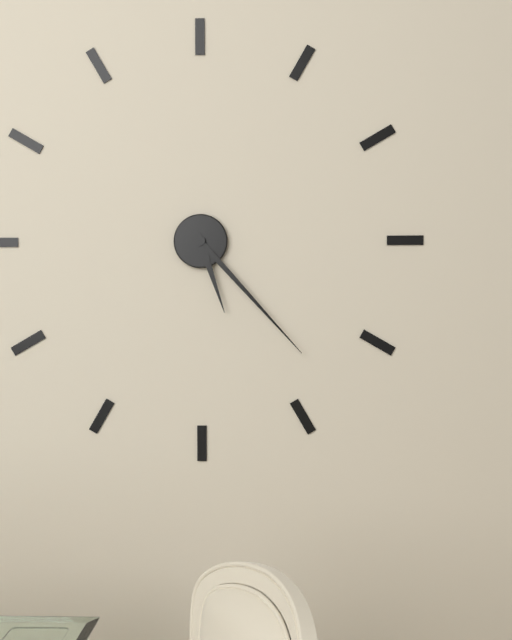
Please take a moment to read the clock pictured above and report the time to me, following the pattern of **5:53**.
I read **5:23**
